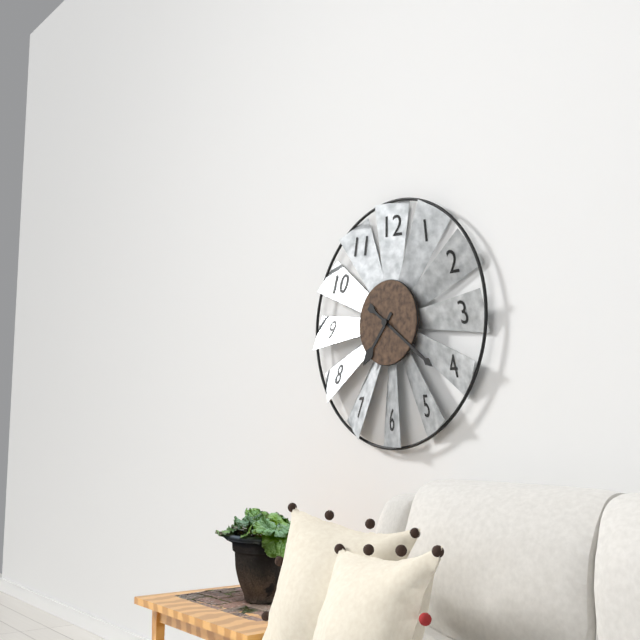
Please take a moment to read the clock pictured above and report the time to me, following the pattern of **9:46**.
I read **7:21**
